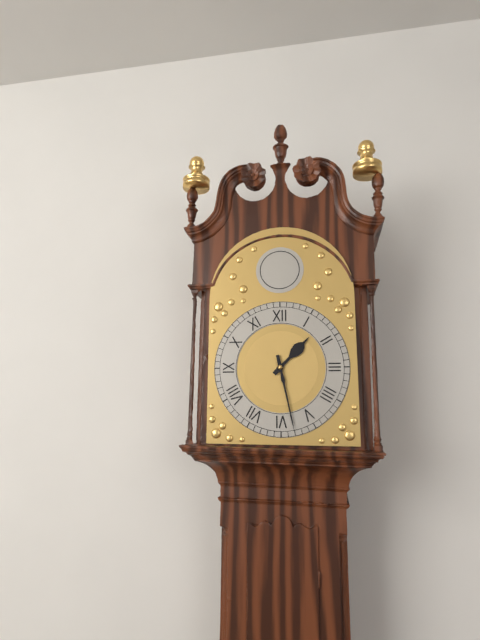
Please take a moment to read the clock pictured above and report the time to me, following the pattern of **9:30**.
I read **1:28**
